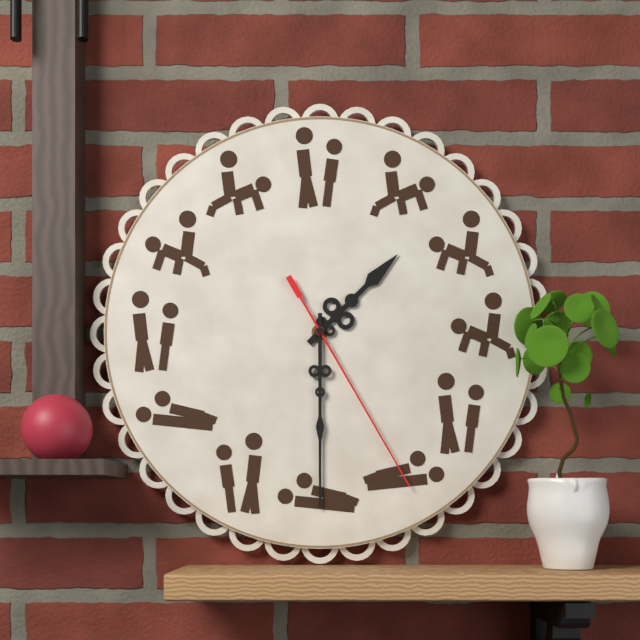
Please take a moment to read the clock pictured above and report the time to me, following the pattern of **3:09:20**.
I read **1:30:25**
